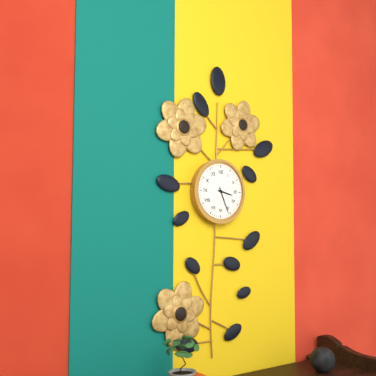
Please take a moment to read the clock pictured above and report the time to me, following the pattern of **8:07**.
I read **3:26**
